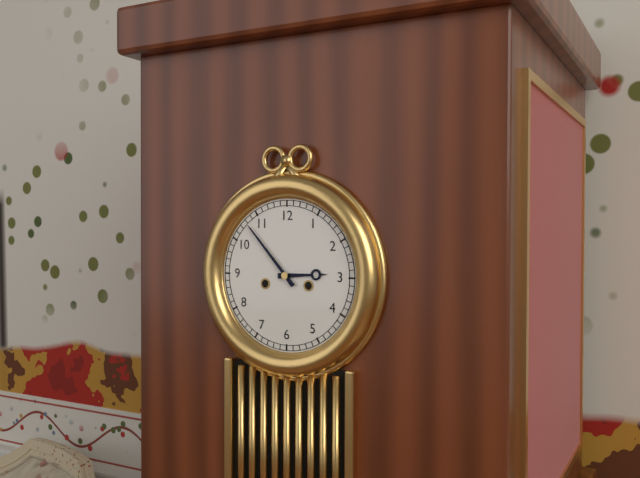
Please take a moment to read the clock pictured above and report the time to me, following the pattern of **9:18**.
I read **2:53**
